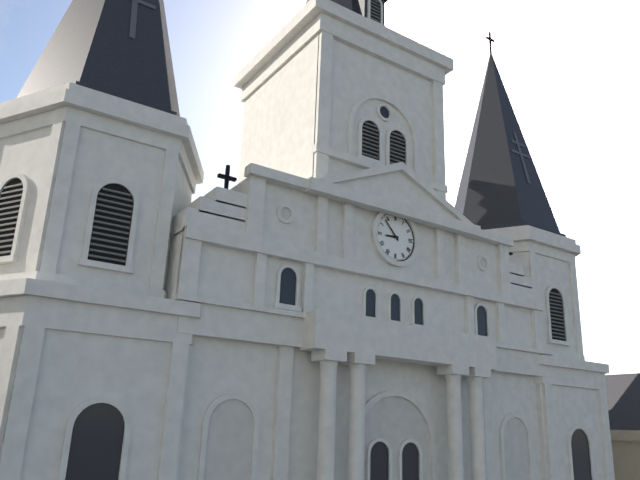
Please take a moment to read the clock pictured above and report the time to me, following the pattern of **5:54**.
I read **8:53**
